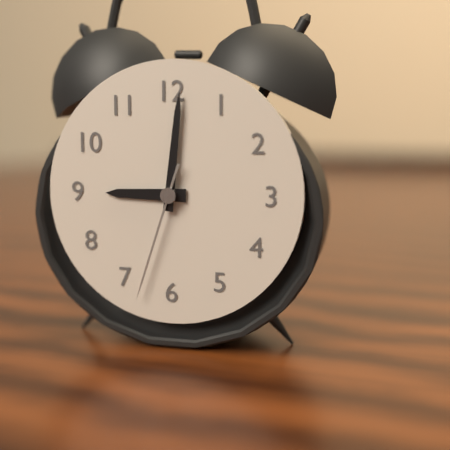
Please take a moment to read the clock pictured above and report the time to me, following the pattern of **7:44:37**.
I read **9:01:33**
